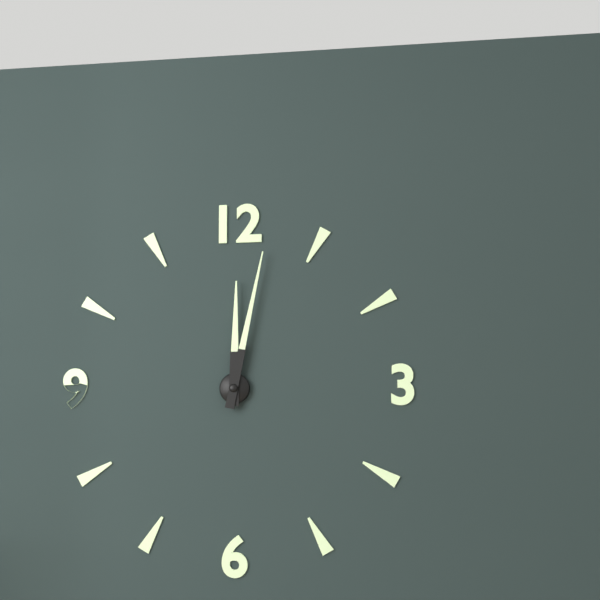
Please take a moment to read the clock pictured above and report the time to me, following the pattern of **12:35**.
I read **12:02**
